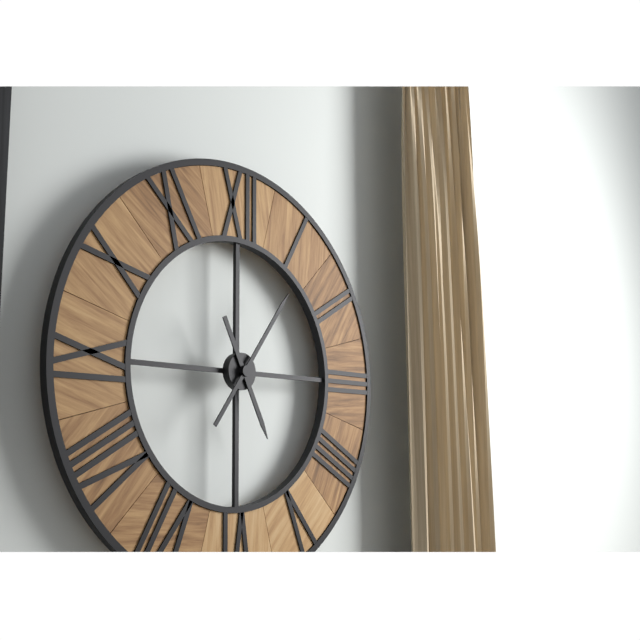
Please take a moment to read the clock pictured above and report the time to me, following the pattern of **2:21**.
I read **5:06**
